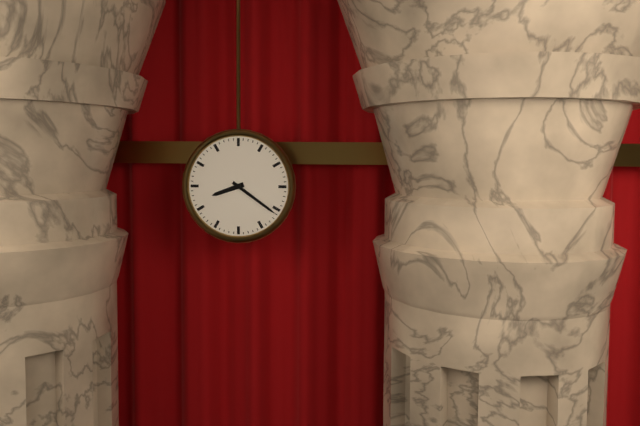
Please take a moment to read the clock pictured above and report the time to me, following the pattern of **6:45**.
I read **8:21**
